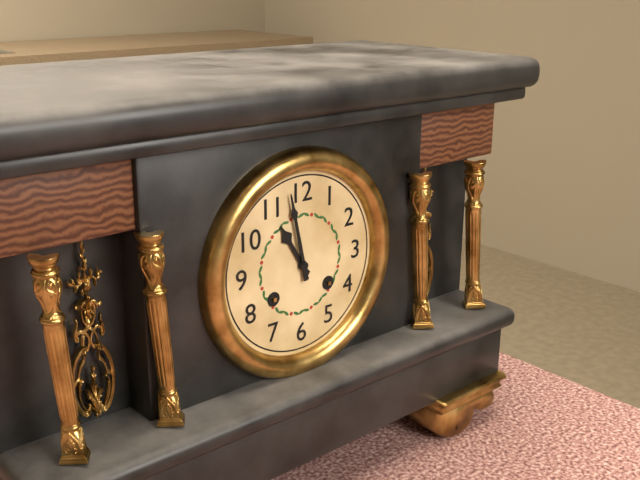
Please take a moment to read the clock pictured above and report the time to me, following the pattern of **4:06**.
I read **10:58**
